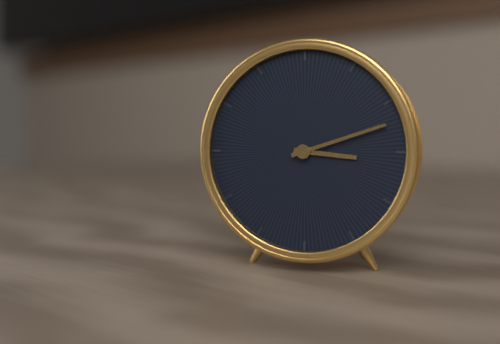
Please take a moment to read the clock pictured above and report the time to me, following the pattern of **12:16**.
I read **3:12**
